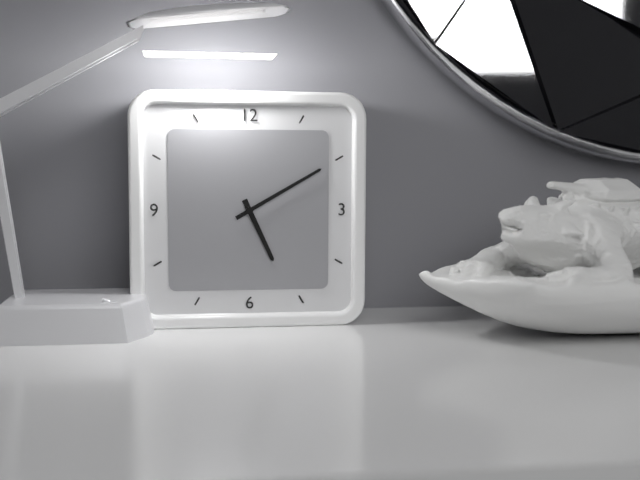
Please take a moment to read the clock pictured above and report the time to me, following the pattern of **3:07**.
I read **5:10**
